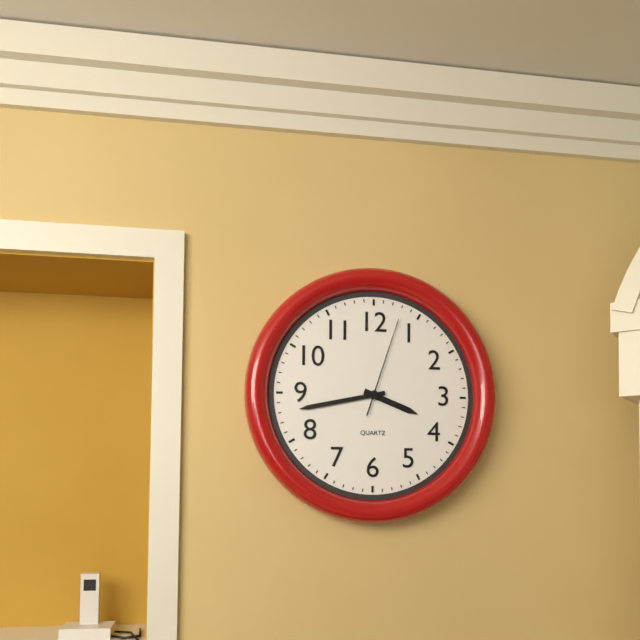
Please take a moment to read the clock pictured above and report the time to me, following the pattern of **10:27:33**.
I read **3:43:03**
